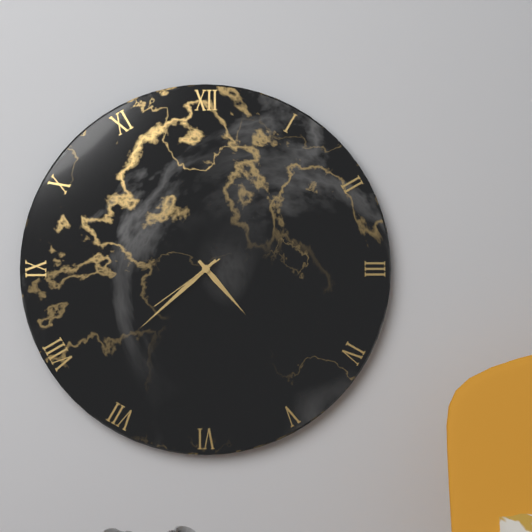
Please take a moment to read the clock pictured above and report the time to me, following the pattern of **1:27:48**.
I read **4:38:39**
